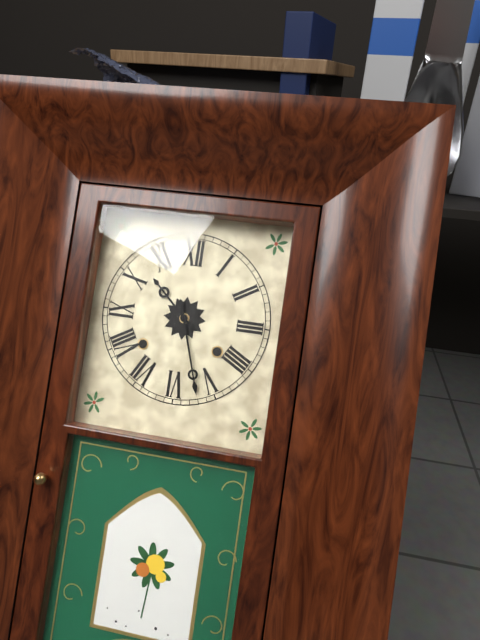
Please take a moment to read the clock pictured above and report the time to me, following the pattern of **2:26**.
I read **10:27**
